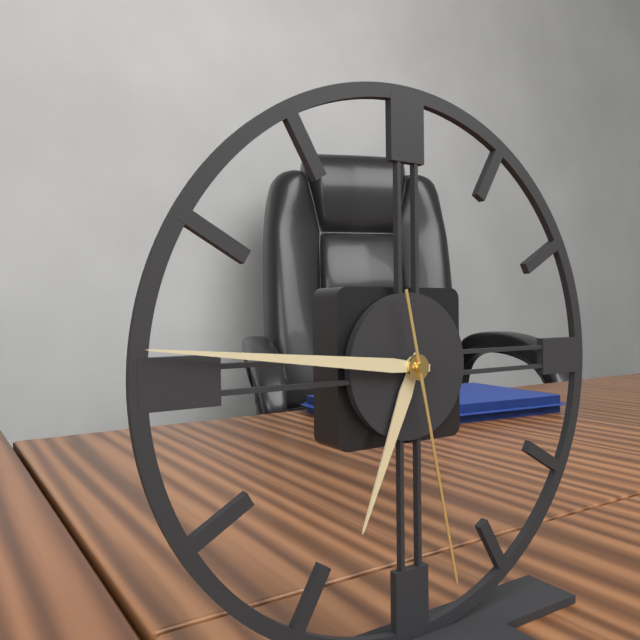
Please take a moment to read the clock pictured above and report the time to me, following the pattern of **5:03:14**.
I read **6:46:28**
